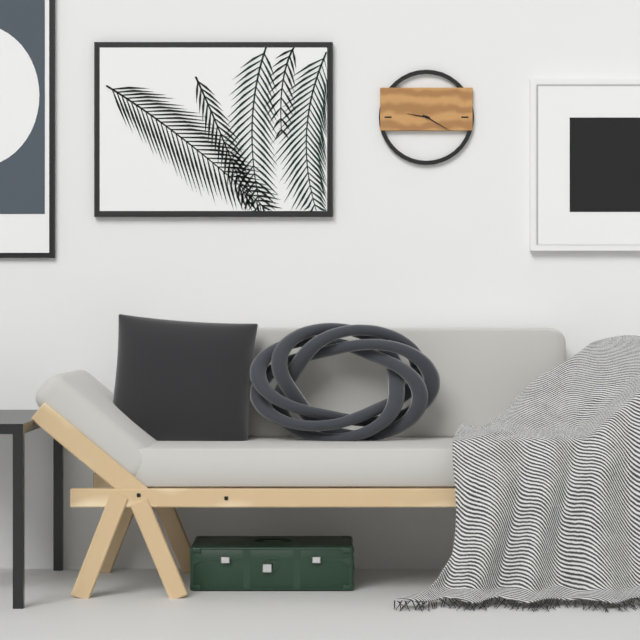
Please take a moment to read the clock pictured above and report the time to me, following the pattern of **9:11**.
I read **9:20**
